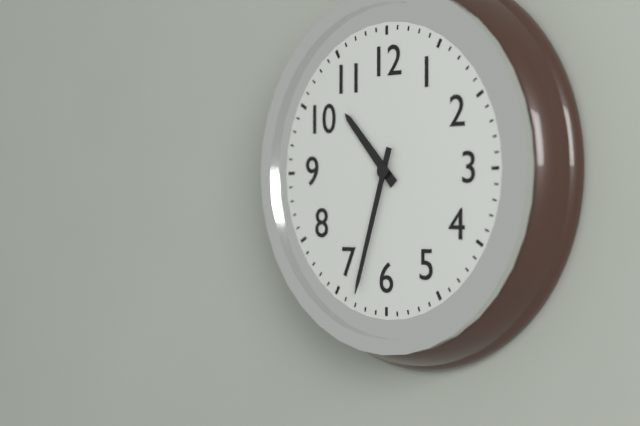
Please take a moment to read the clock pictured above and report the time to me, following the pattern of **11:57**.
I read **10:33**
